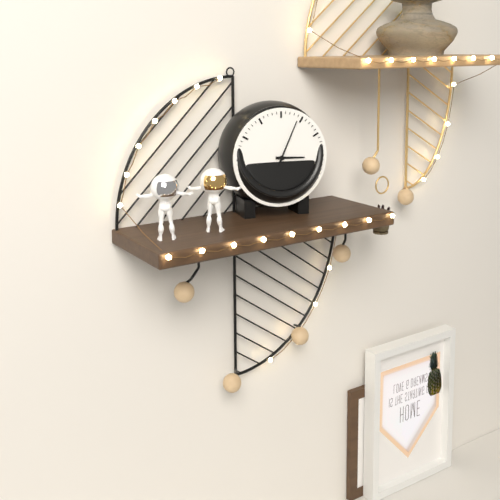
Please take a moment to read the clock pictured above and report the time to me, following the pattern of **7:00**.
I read **3:04**
